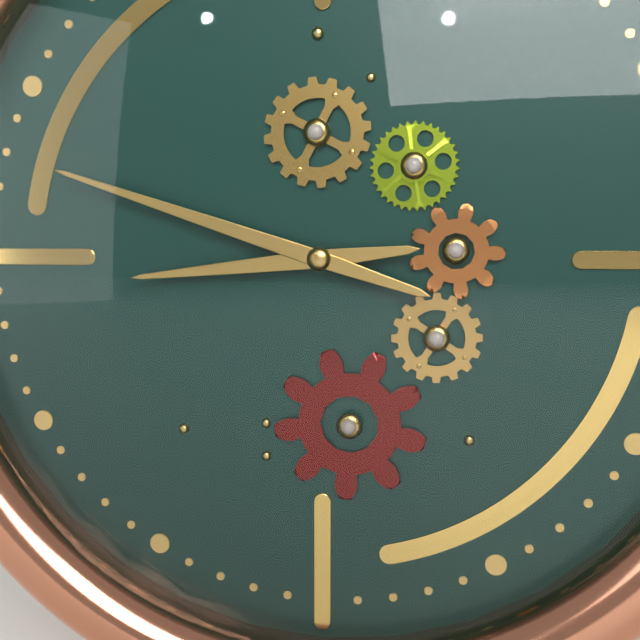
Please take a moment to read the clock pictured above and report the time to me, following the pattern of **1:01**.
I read **8:48**
